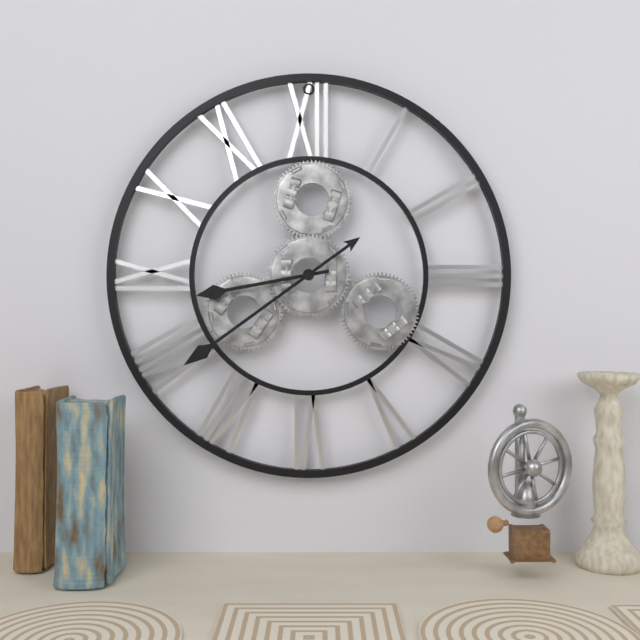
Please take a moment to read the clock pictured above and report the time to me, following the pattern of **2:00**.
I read **8:39**
